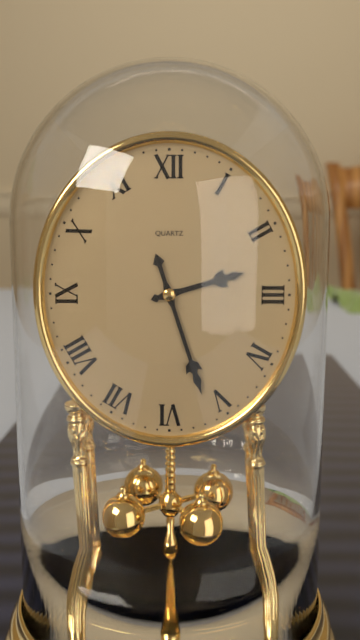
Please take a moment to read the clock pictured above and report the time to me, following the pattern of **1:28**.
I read **2:27**
